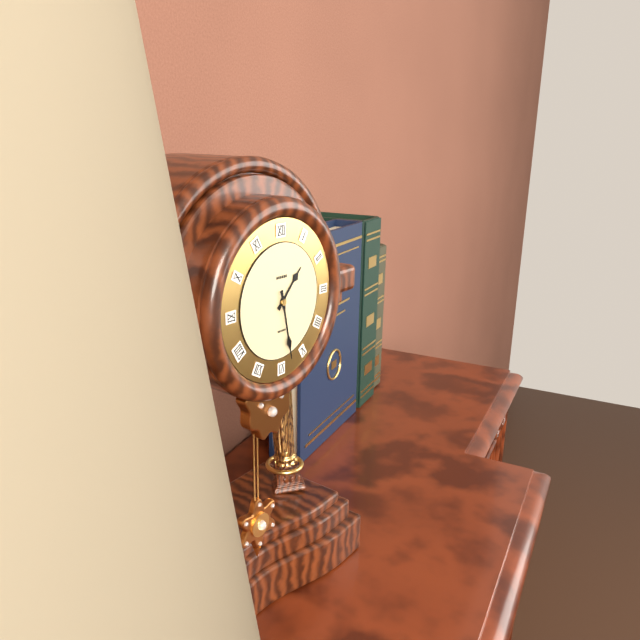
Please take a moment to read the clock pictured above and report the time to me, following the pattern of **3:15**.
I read **1:28**
